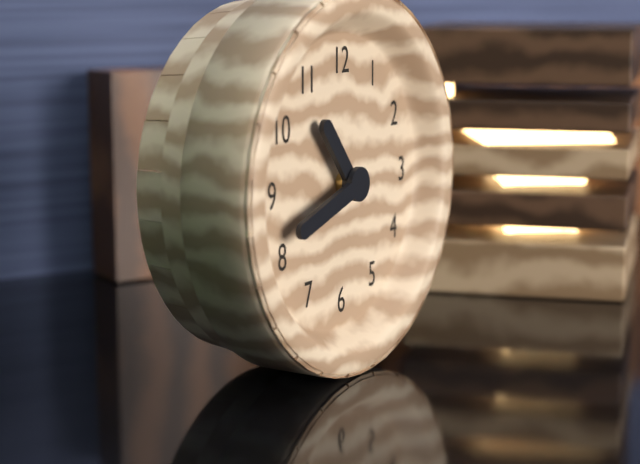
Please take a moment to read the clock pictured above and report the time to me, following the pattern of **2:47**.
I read **10:42**
